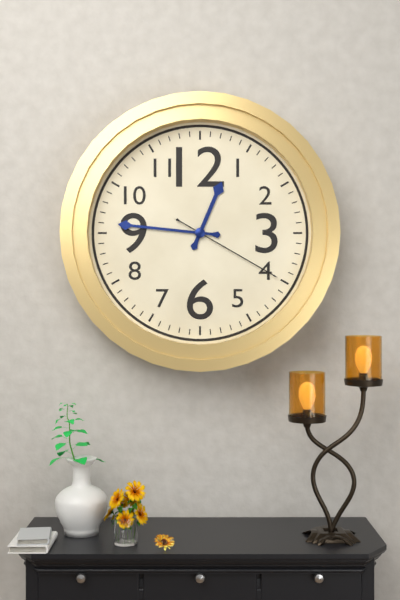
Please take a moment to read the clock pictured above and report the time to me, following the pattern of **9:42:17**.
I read **12:46:20**
